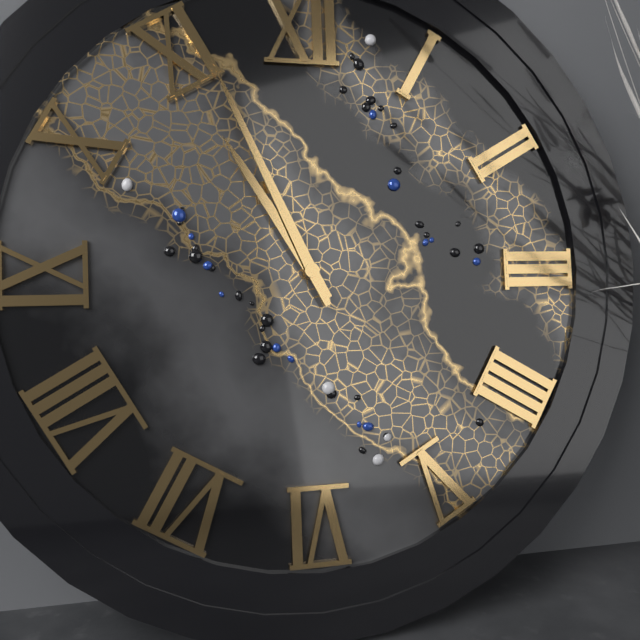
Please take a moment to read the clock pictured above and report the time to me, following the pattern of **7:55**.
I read **10:56**
